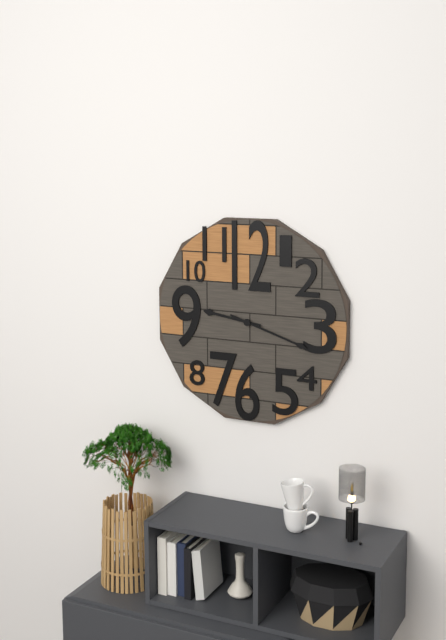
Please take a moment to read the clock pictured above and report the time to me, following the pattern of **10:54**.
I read **9:18**
